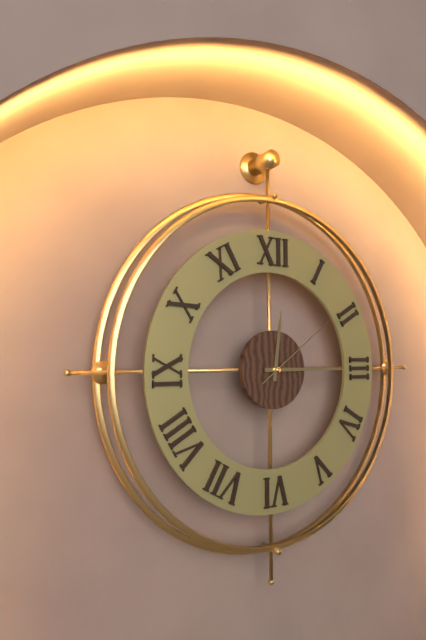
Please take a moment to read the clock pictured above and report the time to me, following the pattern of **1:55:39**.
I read **12:15:09**
